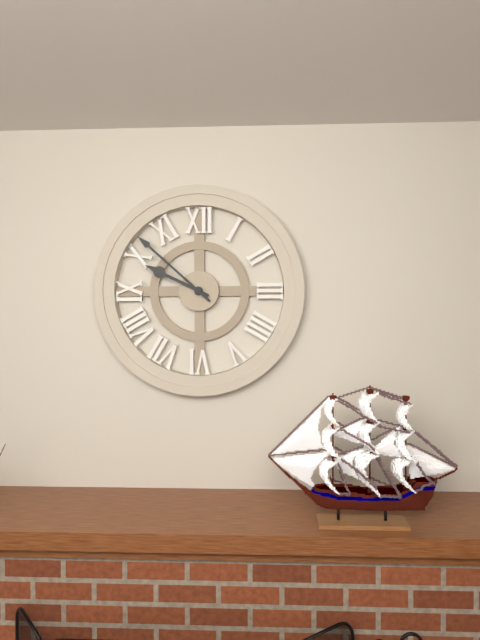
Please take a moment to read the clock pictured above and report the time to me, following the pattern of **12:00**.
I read **9:52**
